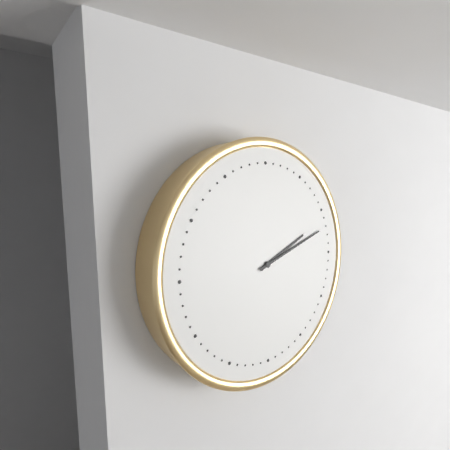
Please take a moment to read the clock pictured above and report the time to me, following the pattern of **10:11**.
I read **2:12**
